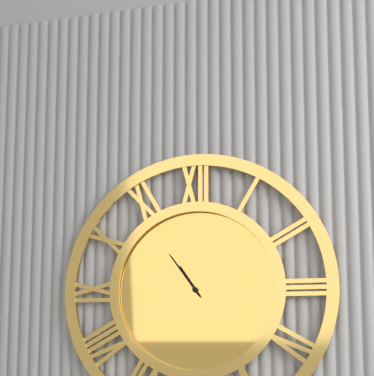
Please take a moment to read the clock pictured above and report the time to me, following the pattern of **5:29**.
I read **10:54**
